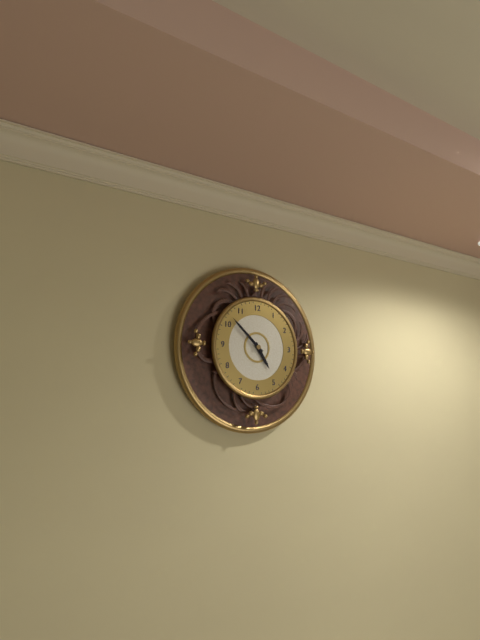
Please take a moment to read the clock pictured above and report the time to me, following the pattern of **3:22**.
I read **4:52**
